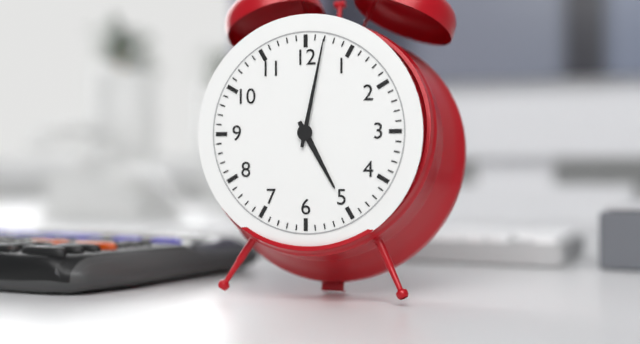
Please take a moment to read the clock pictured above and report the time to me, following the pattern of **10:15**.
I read **5:02**
